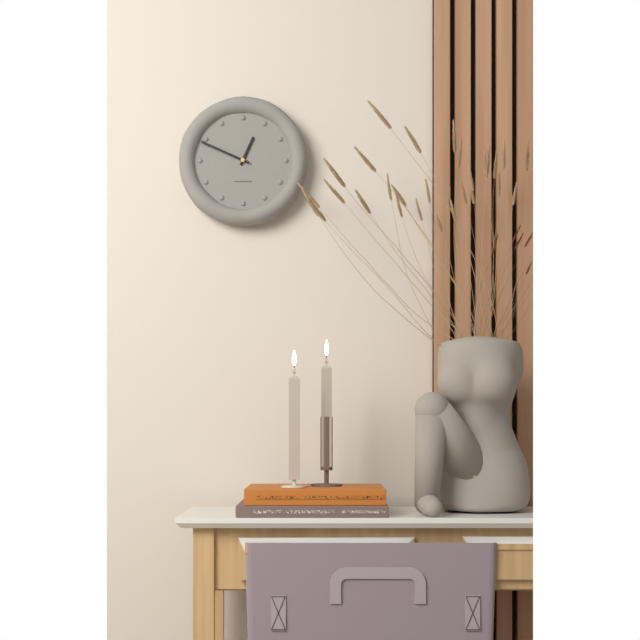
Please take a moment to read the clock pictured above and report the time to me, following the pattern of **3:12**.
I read **12:49**
